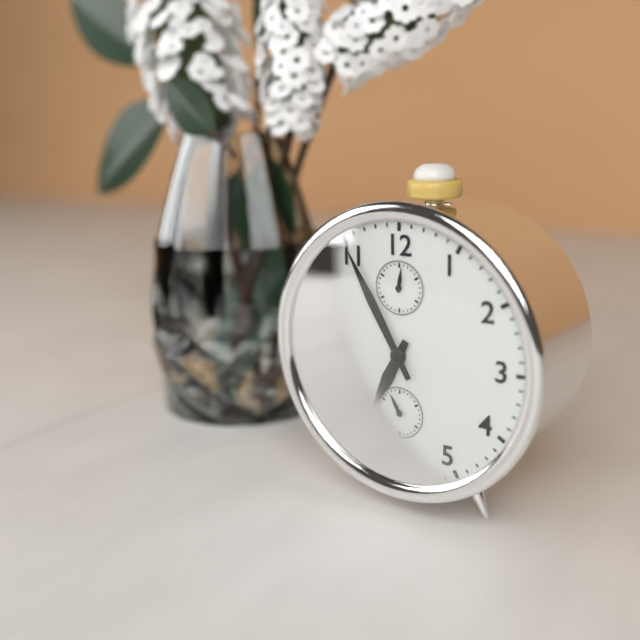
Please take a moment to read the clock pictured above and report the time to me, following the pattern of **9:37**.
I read **6:55**
